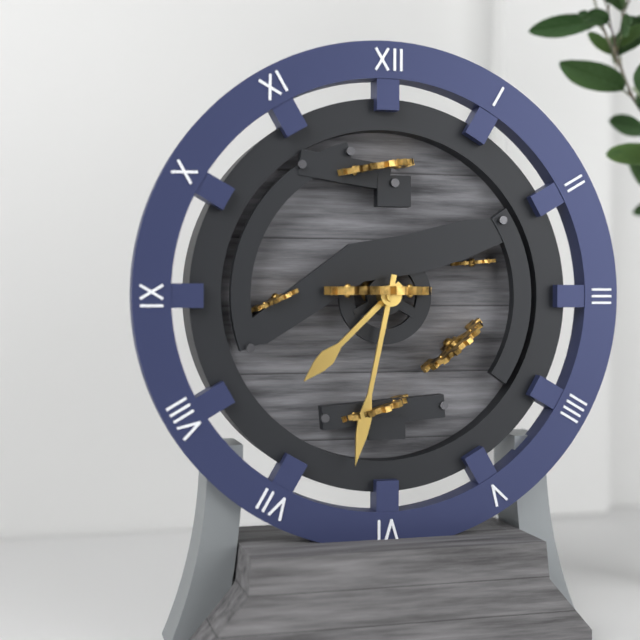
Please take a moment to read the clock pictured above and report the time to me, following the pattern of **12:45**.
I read **7:32**
